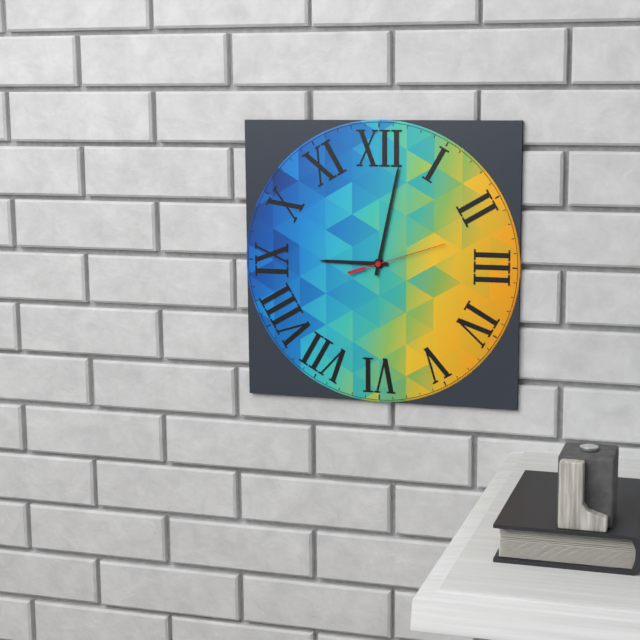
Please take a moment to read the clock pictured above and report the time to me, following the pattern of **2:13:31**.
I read **9:02:12**
